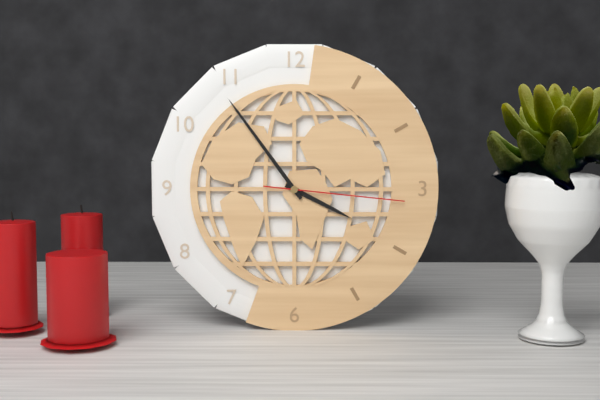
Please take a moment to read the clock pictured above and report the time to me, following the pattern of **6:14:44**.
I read **3:54:16**
